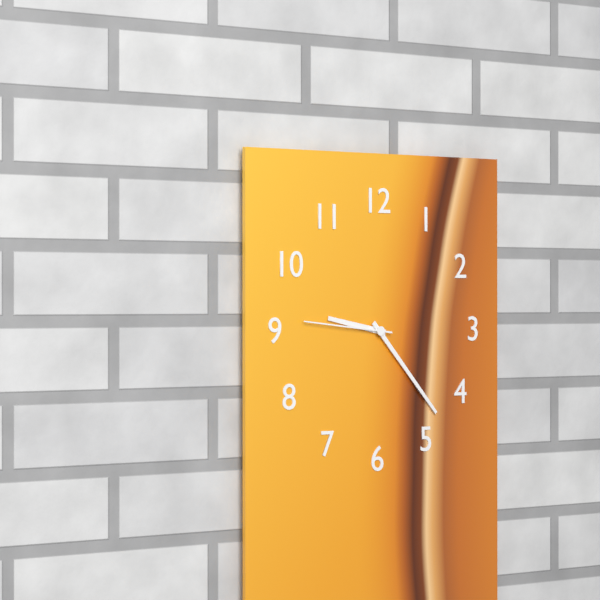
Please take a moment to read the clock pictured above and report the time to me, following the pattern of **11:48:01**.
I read **9:23:46**
